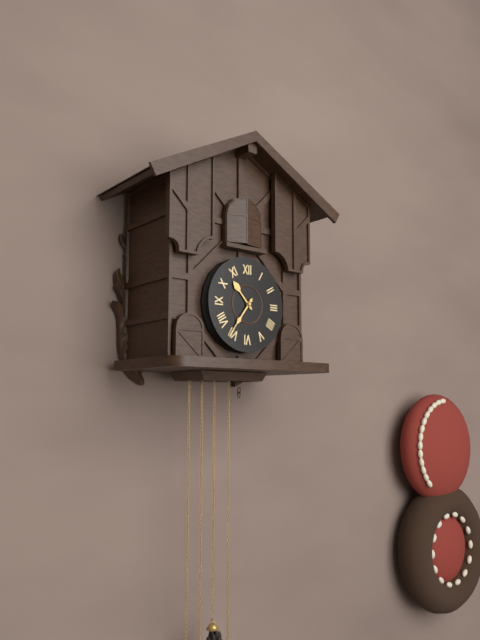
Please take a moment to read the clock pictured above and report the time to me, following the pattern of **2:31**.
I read **10:36**
